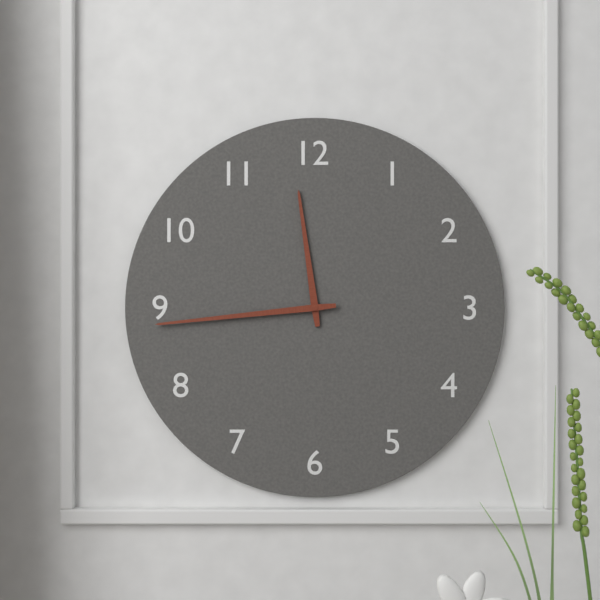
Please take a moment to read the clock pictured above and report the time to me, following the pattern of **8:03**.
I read **11:44**
